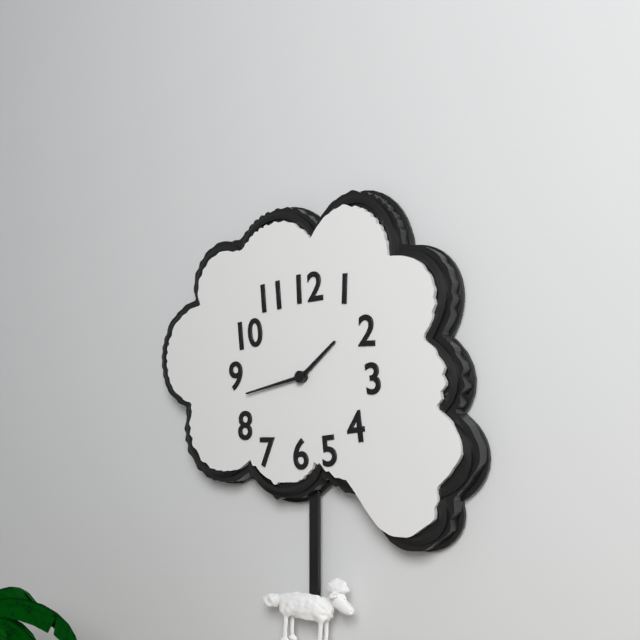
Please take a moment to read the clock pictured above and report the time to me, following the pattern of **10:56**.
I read **1:43**
